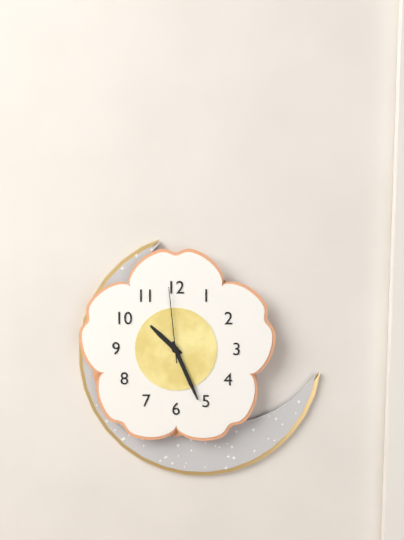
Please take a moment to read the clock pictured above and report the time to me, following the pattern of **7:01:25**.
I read **10:26:59**
